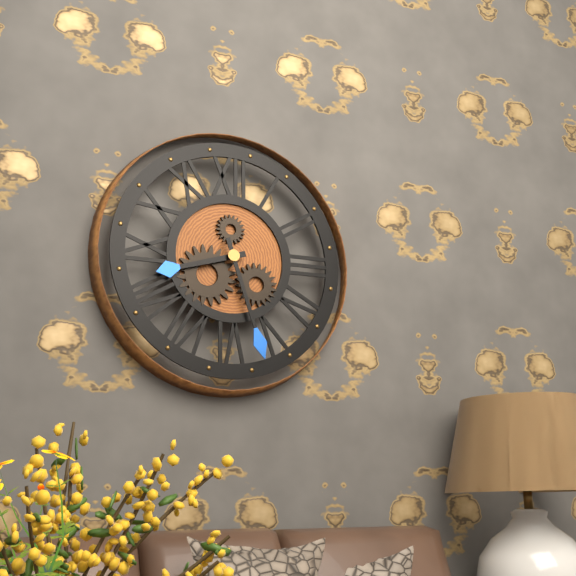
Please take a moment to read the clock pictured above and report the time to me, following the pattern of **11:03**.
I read **8:27**
